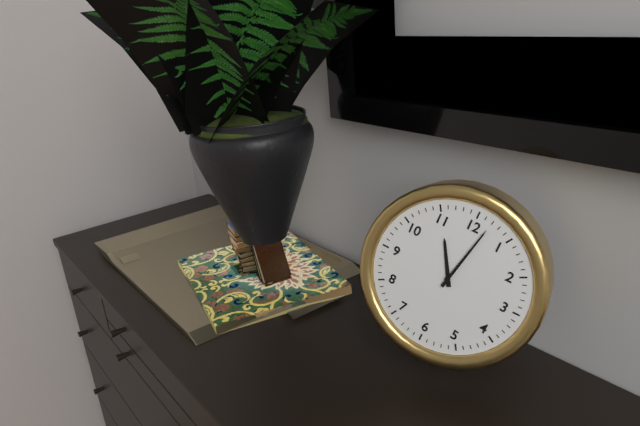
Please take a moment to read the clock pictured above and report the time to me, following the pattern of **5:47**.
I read **11:02**
